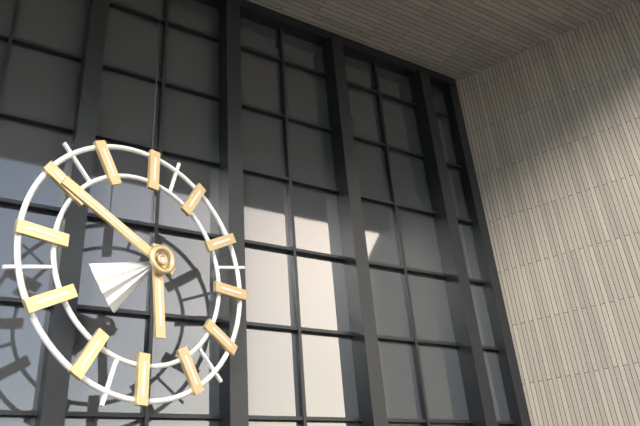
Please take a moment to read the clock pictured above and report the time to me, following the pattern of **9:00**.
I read **5:49**
